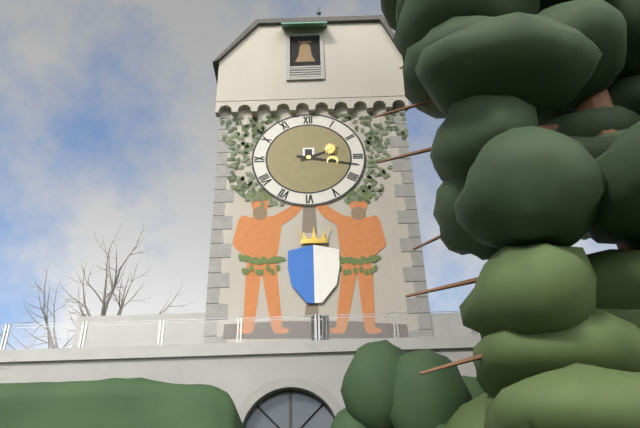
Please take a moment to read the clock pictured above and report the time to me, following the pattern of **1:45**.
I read **2:17**
